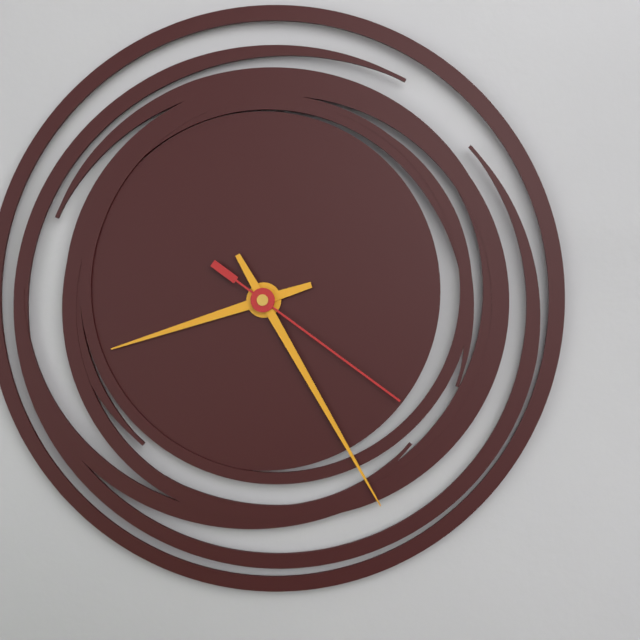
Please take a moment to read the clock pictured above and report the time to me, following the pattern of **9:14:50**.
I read **8:25:21**
